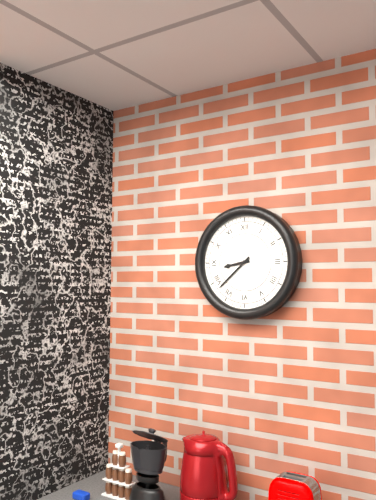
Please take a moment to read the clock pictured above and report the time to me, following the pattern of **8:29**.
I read **8:38**
